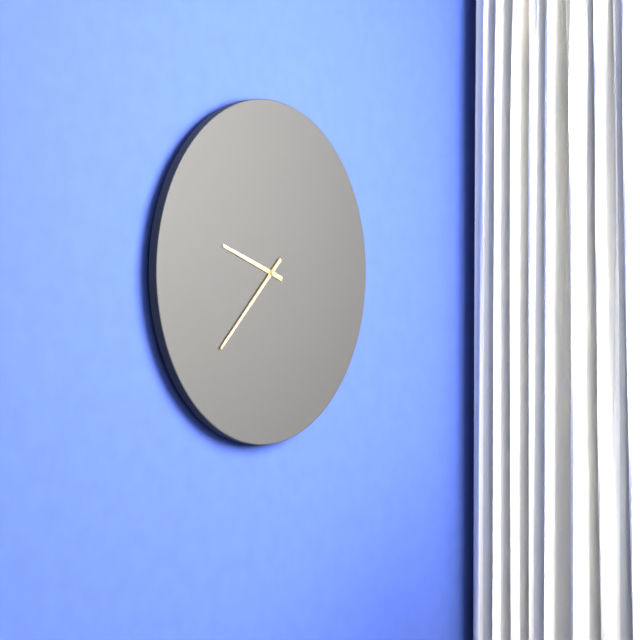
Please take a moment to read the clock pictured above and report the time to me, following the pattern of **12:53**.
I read **9:38**
